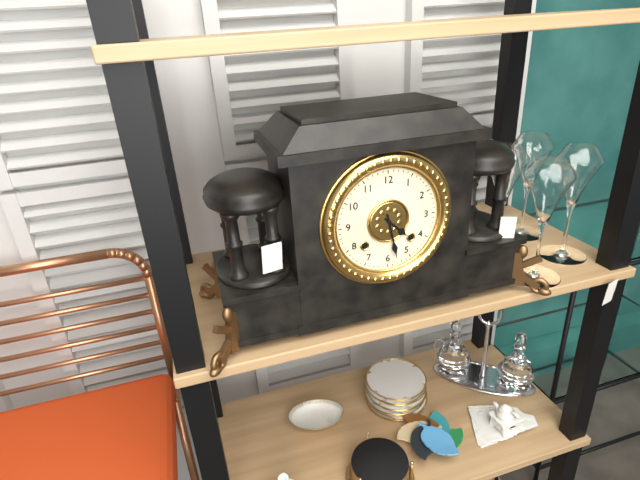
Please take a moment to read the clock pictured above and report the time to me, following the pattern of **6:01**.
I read **4:28**
